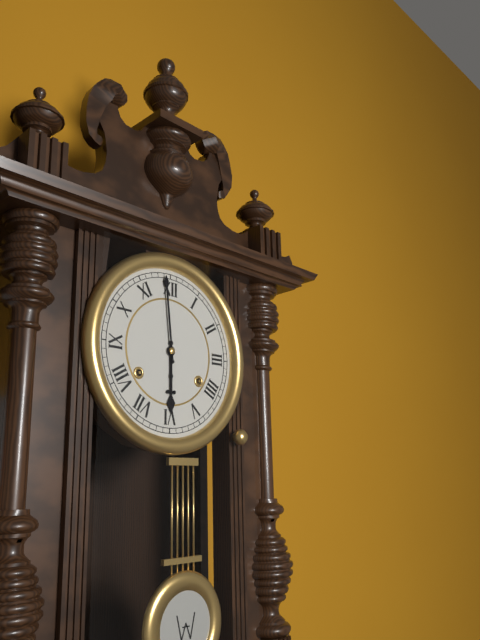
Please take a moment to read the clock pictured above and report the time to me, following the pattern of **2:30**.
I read **5:59**
